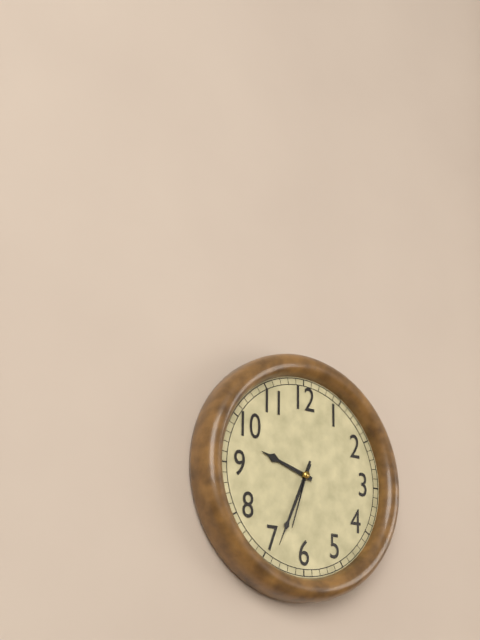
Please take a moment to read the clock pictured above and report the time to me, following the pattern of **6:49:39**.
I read **9:34:33**
